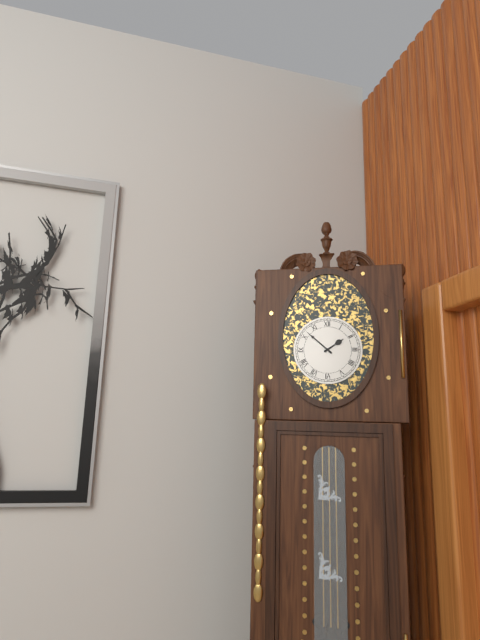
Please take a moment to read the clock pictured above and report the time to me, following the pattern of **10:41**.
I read **1:52**
